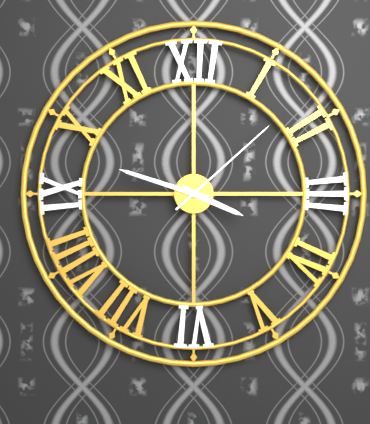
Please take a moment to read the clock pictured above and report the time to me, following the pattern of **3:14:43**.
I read **3:48:08**
